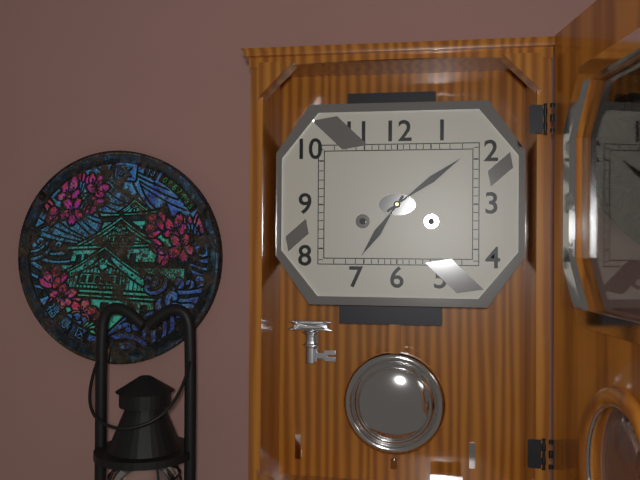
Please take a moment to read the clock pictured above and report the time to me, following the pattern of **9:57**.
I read **7:09**
